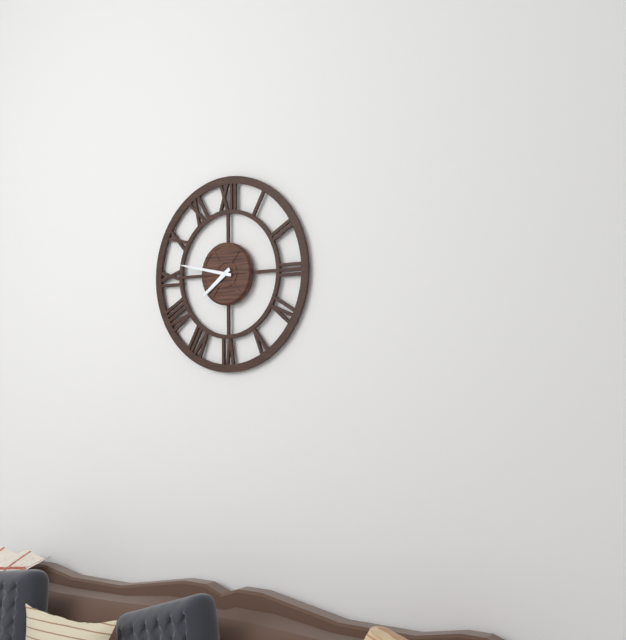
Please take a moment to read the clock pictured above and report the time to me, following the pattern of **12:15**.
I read **7:47**
